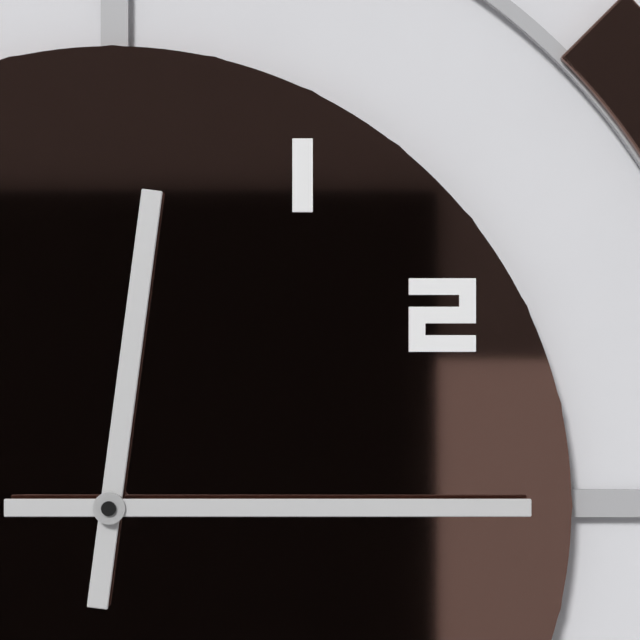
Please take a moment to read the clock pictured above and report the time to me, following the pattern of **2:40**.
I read **12:15**
